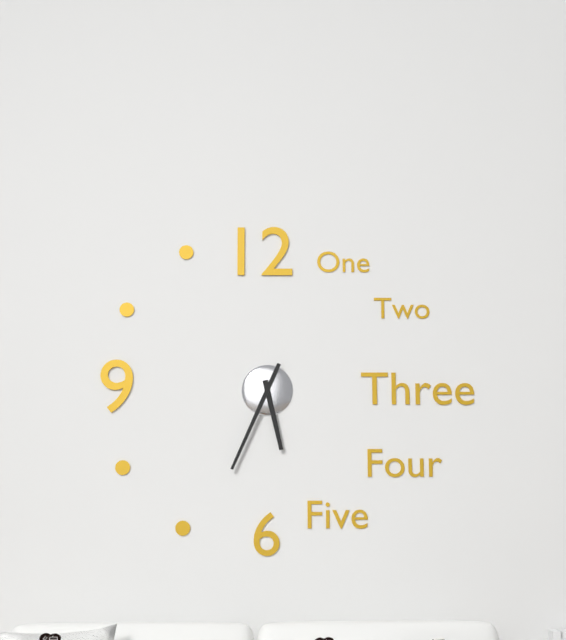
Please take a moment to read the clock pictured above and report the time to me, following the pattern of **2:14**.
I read **5:34**
